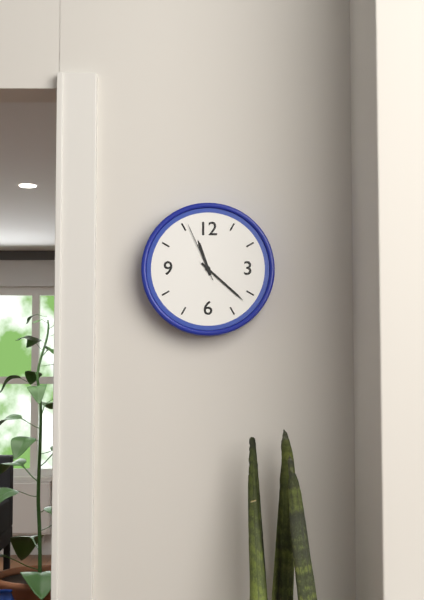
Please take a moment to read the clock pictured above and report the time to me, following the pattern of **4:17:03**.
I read **11:22:56**
